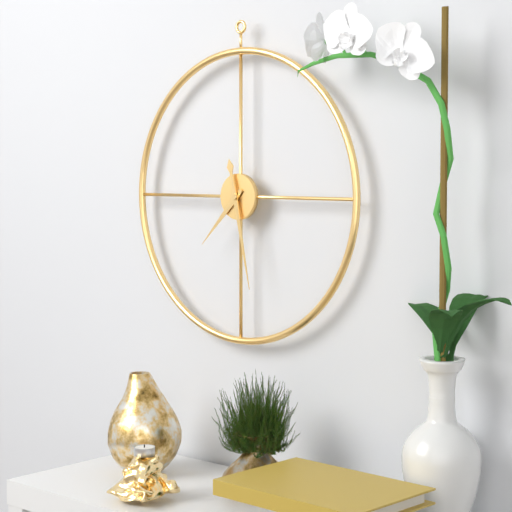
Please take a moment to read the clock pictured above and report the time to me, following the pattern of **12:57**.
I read **7:28**
